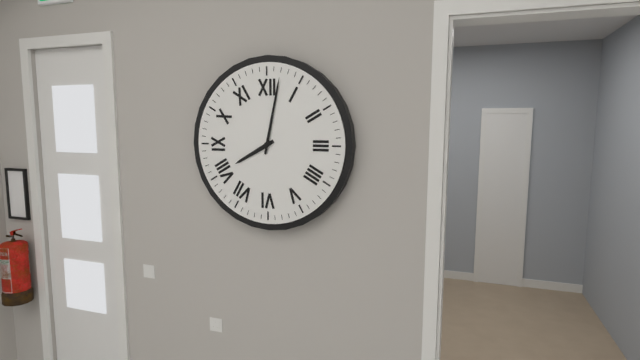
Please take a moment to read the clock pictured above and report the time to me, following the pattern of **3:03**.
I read **8:02**
